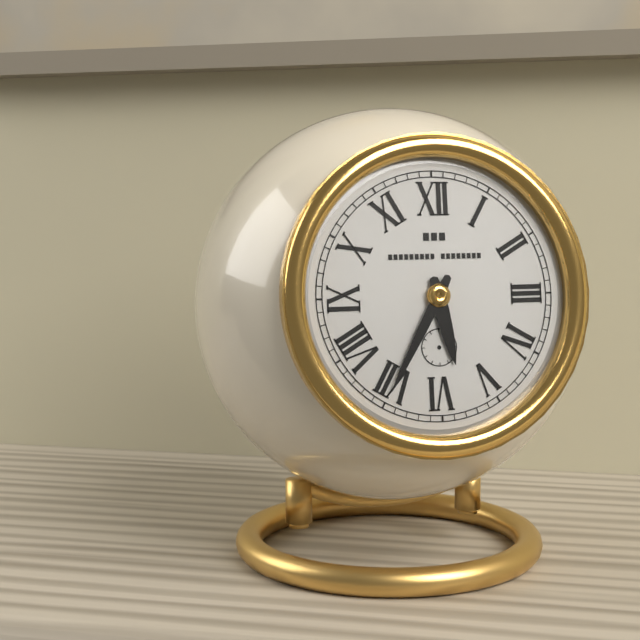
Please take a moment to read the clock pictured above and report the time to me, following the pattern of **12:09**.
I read **5:35**
